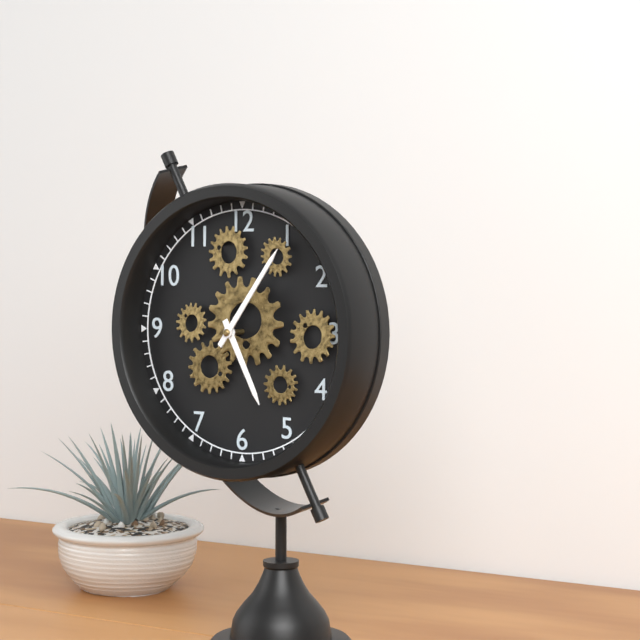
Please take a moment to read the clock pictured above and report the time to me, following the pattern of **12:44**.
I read **5:06**
